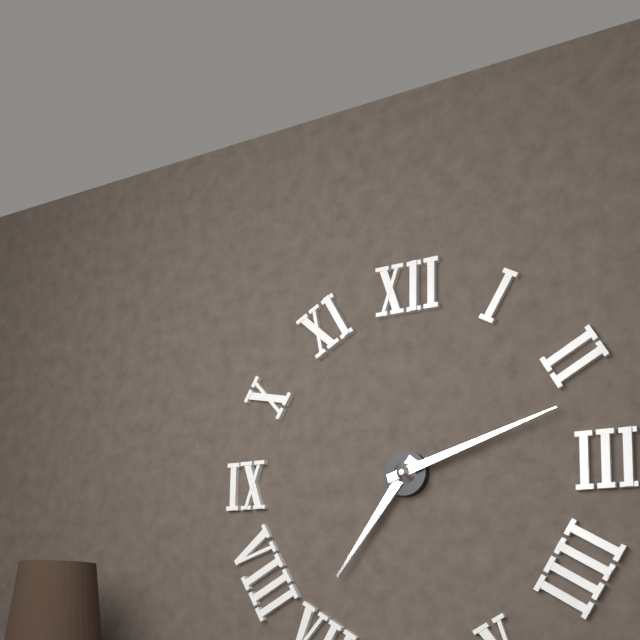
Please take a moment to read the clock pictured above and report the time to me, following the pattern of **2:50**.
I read **7:12**
